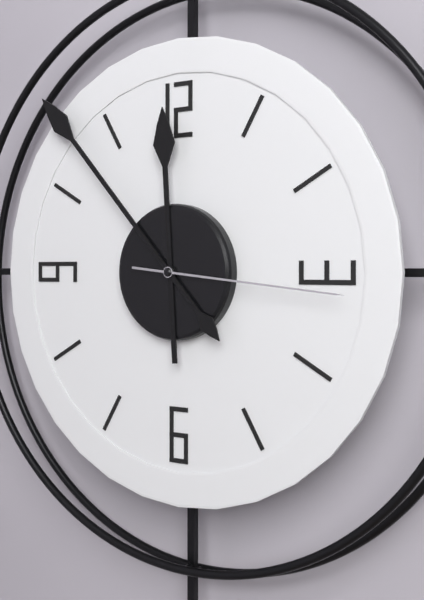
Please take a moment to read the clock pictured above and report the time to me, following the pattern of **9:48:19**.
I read **11:53:16**
